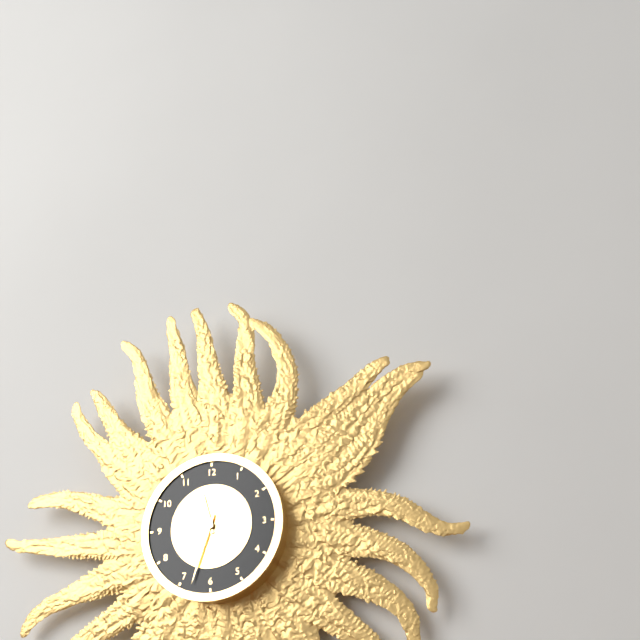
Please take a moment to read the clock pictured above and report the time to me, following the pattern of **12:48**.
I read **11:33**
